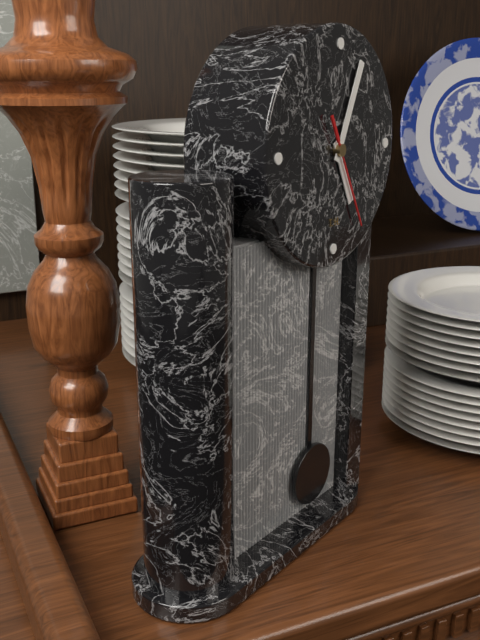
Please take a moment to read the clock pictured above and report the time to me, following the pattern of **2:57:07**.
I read **5:04:25**
